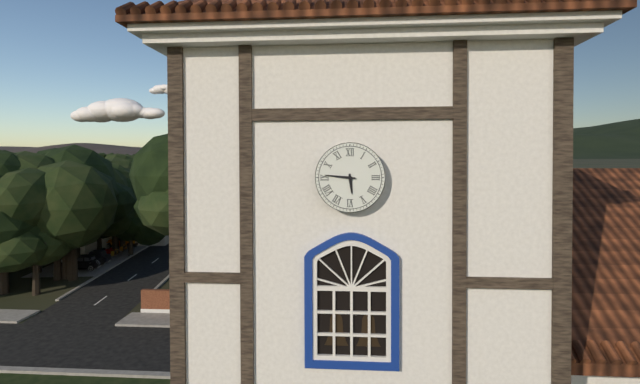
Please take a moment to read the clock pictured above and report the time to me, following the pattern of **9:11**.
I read **5:46**
